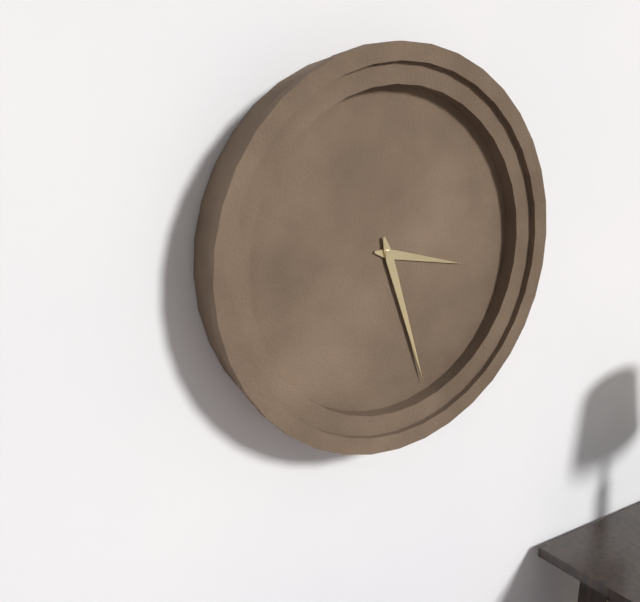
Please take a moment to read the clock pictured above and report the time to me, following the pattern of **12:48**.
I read **3:27**
